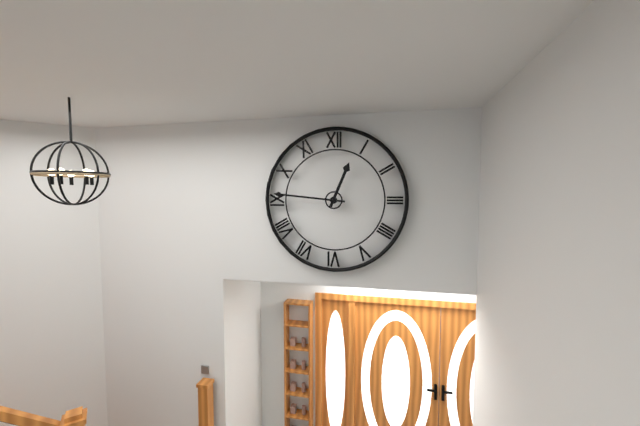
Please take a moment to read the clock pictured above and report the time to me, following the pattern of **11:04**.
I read **12:46**
